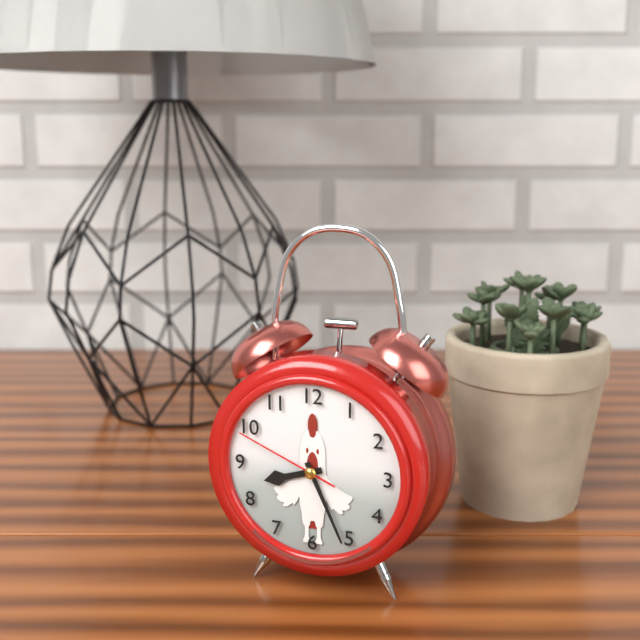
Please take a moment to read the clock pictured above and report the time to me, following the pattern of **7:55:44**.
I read **8:26:49**
